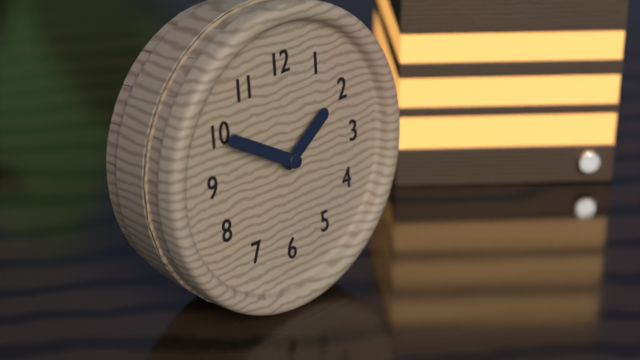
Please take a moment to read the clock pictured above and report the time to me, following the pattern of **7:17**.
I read **1:50**
